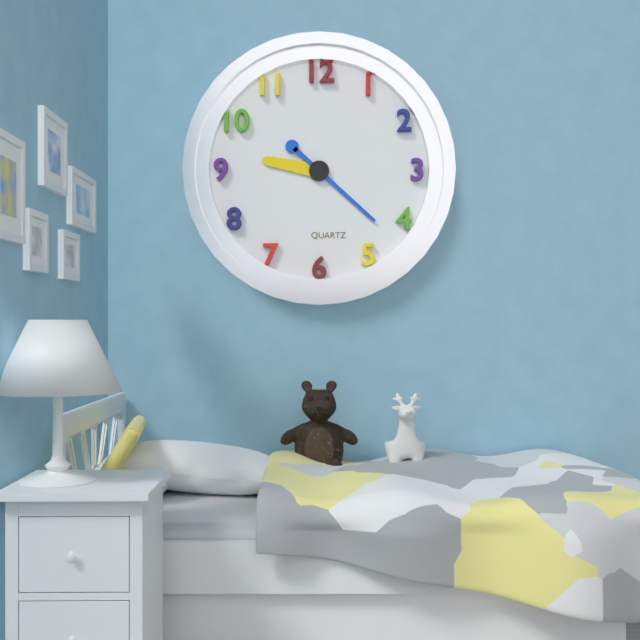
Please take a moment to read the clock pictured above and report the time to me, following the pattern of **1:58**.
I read **9:22**
